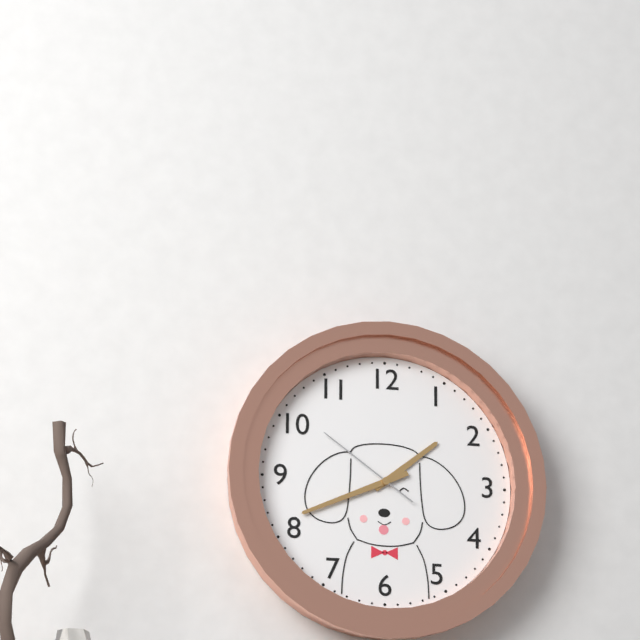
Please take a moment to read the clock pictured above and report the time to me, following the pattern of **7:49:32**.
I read **1:41:51**
